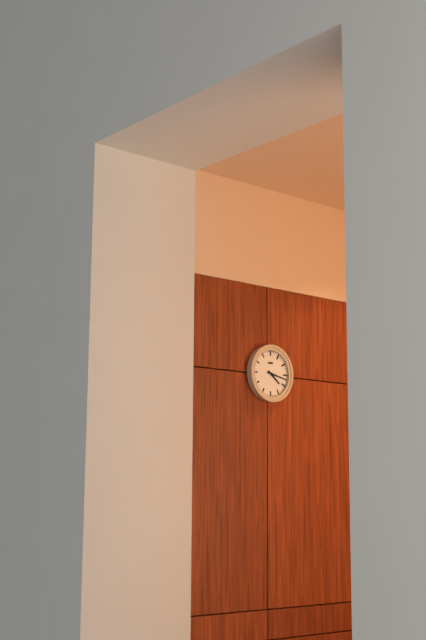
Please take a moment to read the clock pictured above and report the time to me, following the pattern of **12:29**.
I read **4:17**
